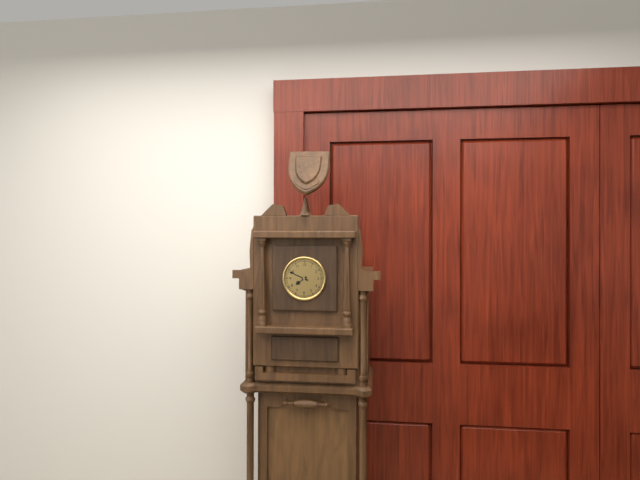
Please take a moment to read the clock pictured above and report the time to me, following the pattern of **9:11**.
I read **7:49**
